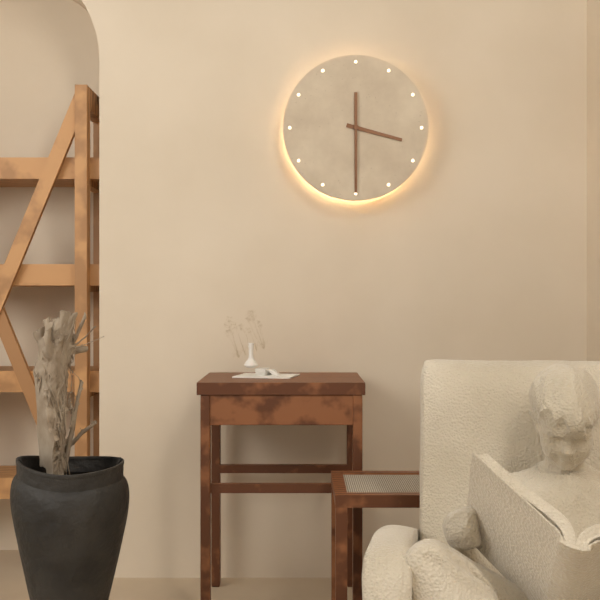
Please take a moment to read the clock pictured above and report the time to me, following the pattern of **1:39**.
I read **3:30**
